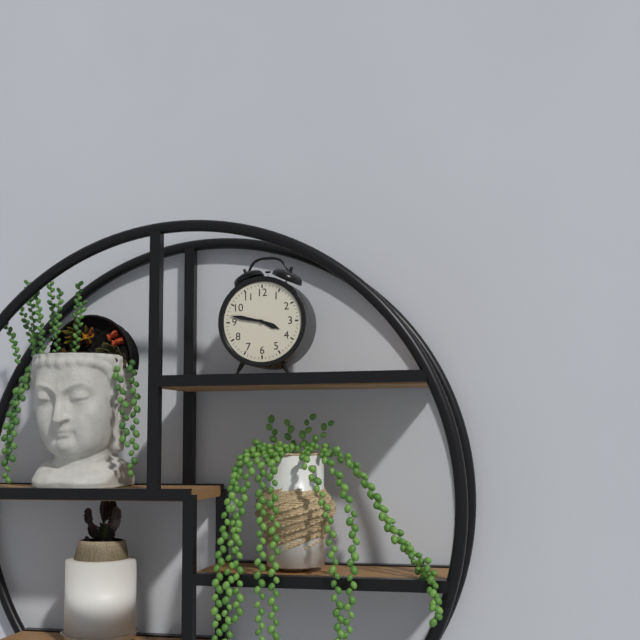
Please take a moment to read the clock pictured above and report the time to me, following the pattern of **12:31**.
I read **3:47**
